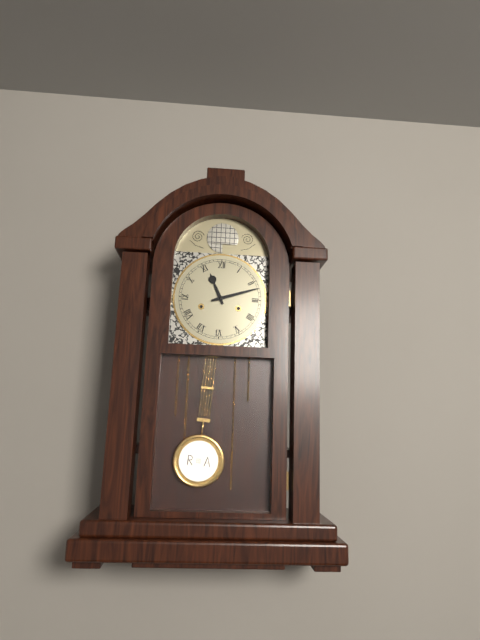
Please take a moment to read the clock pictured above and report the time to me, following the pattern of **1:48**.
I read **11:12**
